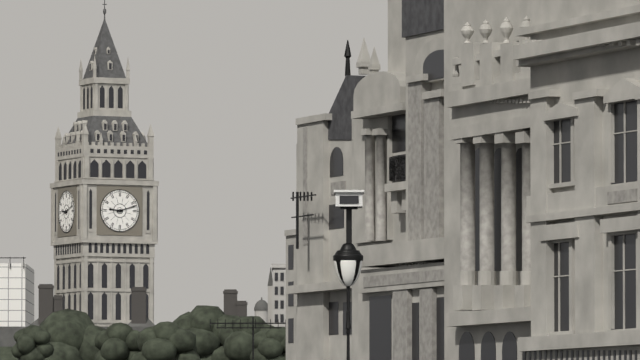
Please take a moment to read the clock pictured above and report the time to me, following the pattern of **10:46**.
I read **9:12**
